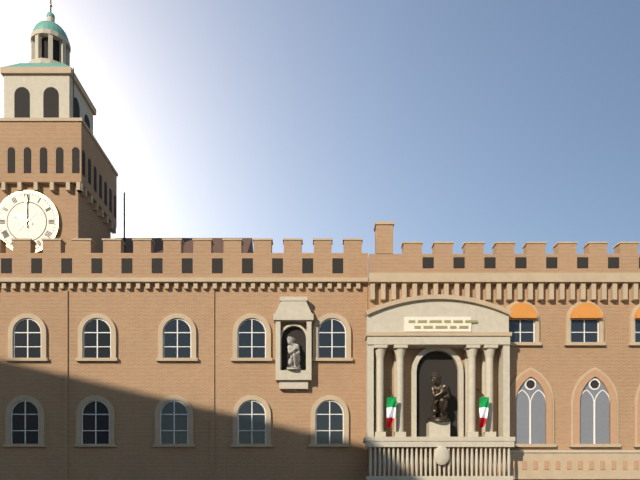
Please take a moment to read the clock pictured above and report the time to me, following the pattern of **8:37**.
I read **10:00**
